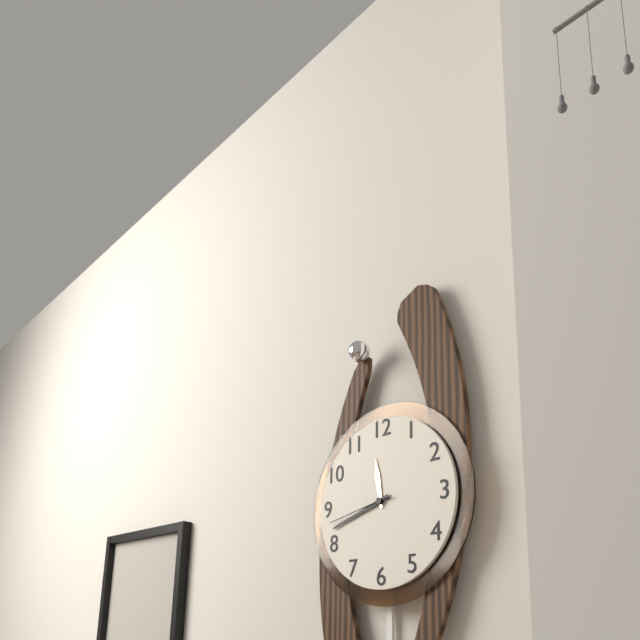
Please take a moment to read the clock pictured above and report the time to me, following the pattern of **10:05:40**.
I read **11:42:43**
